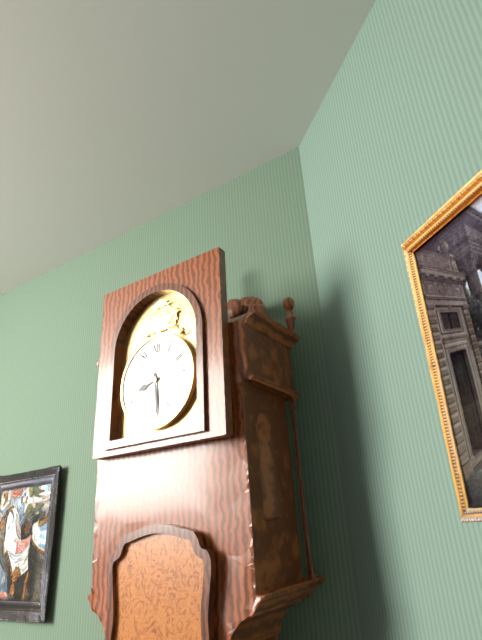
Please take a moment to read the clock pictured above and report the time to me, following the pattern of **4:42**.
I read **8:29**
